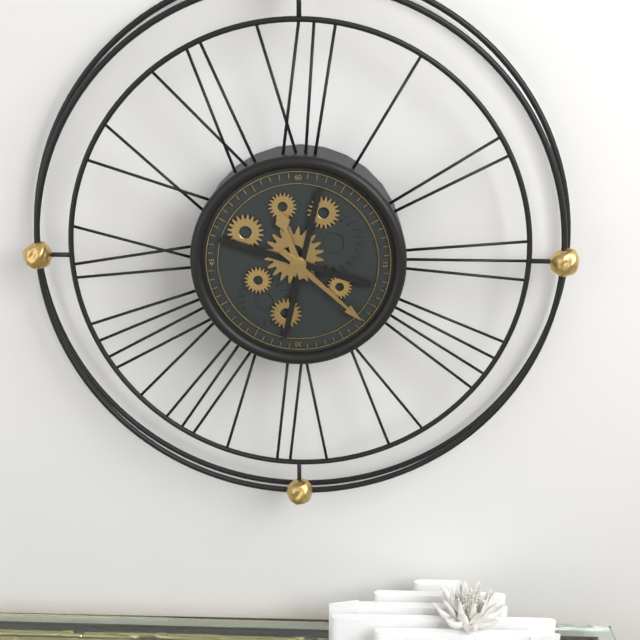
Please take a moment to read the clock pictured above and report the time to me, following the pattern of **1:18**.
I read **11:22**
